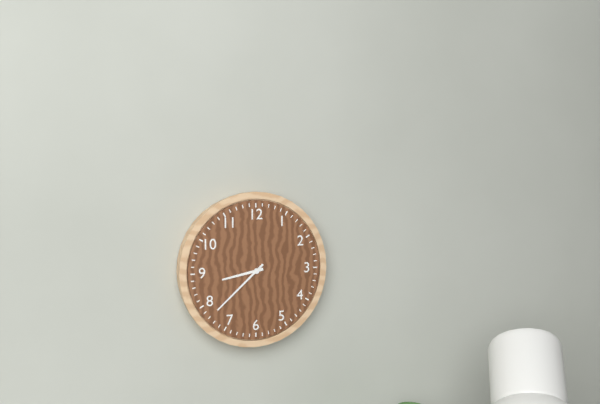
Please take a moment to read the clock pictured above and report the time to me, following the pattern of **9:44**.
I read **8:38**
